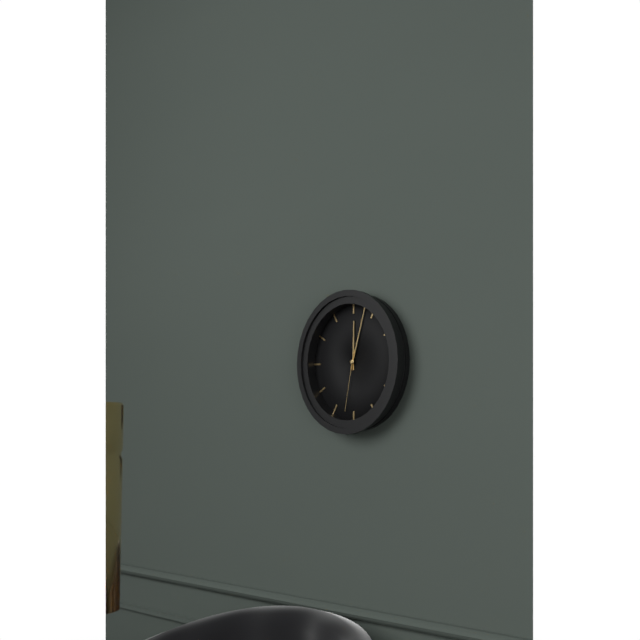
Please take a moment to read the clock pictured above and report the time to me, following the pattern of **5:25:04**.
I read **12:03:32**
